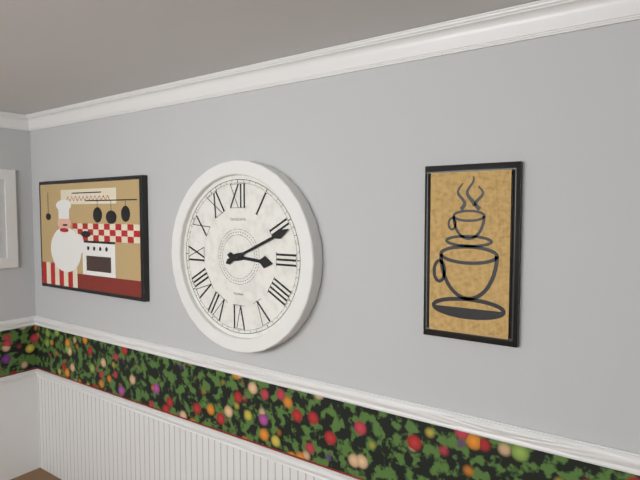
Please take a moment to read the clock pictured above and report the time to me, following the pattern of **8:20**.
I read **3:11**
